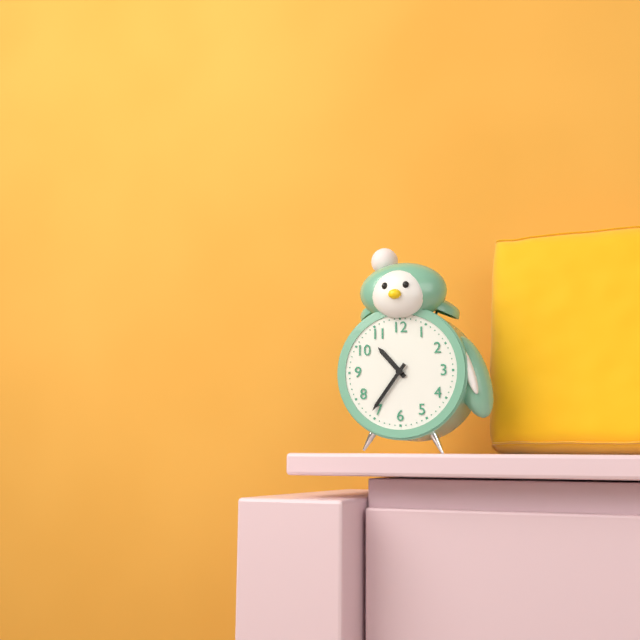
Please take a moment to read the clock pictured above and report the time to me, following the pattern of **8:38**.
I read **10:36**
